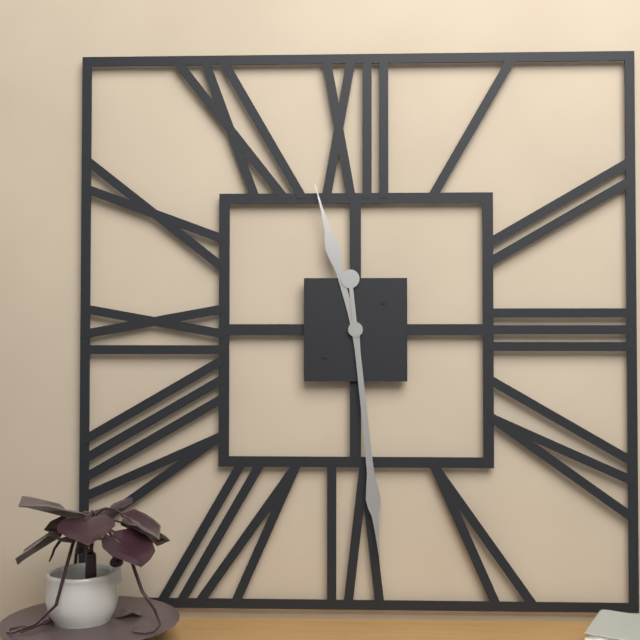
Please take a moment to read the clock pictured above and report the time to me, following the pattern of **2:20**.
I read **11:29**
